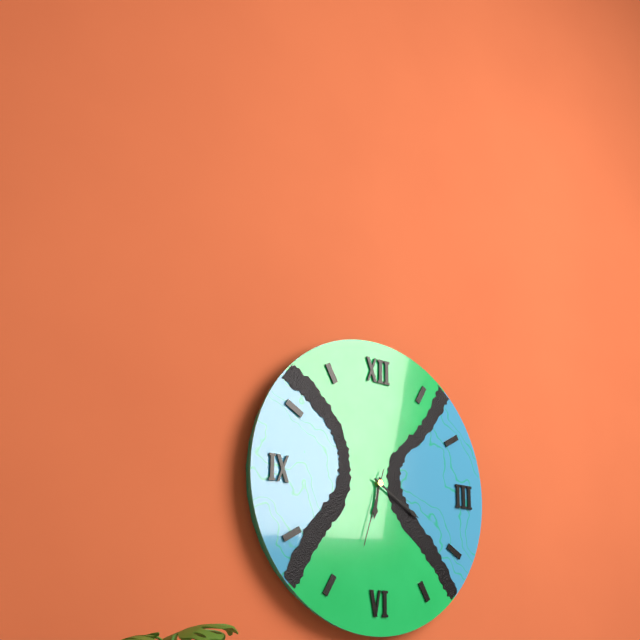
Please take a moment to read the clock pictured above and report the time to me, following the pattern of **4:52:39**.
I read **6:20:33**
